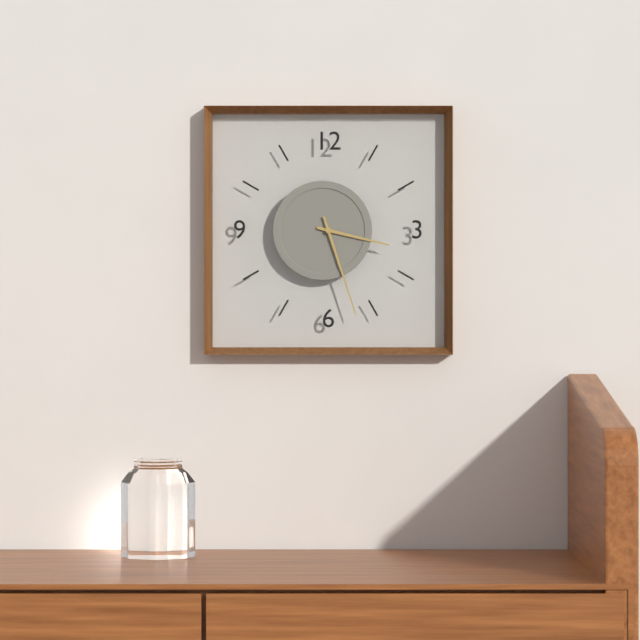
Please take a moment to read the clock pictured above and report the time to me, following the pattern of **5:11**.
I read **3:27**
